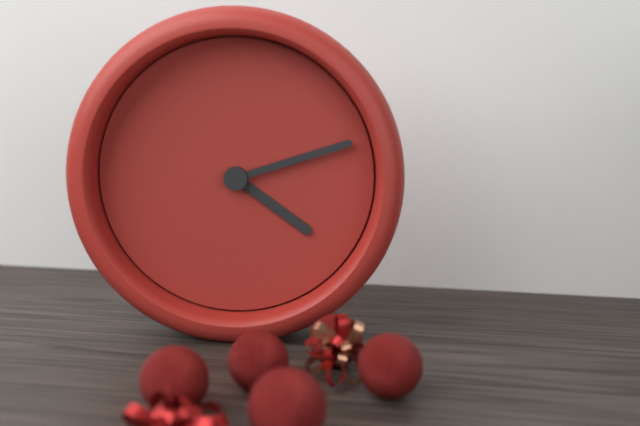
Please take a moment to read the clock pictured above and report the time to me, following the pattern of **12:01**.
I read **4:12**
